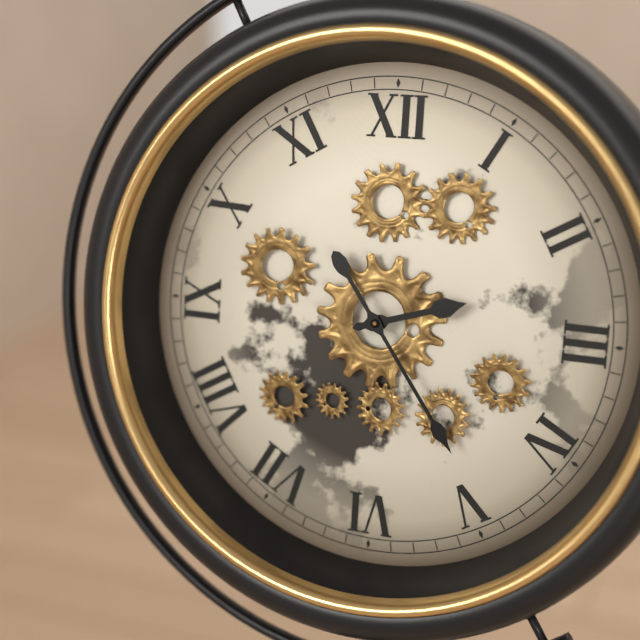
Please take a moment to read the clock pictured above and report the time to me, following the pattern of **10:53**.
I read **2:24**
